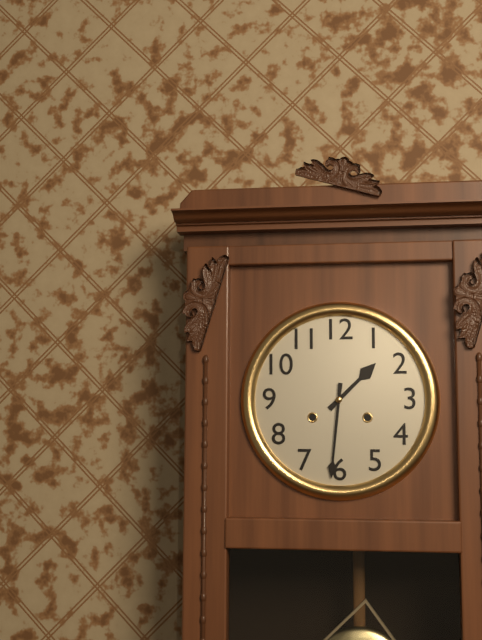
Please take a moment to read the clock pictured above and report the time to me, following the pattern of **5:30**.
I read **1:31**
